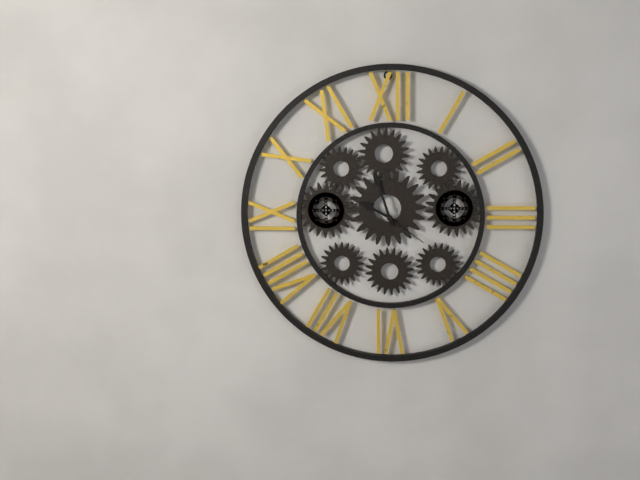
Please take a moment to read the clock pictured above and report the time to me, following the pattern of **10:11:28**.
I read **9:57:21**
